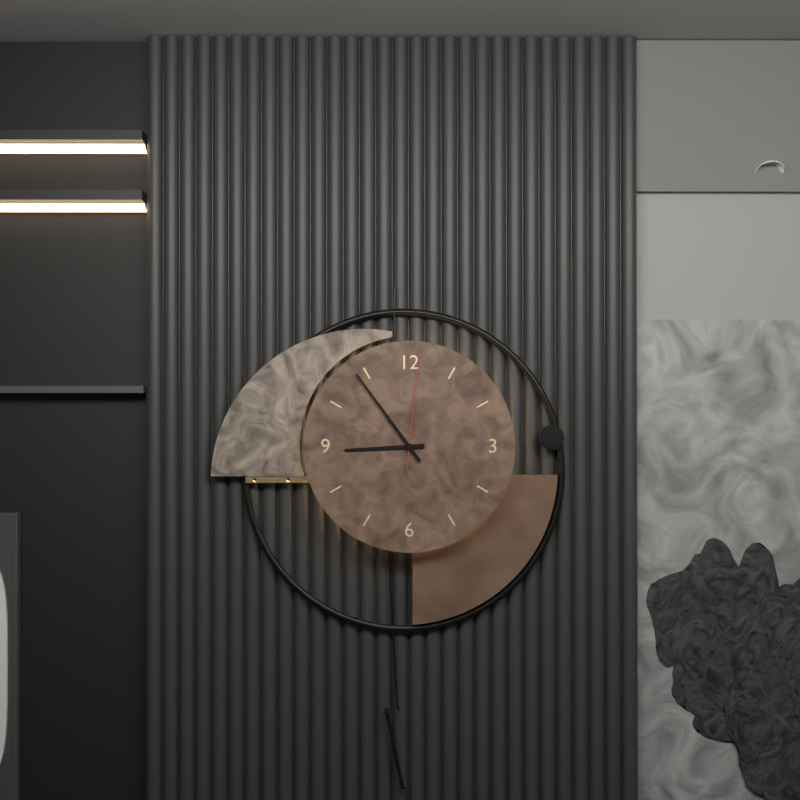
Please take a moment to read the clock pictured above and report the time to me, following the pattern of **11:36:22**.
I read **8:54:01**
